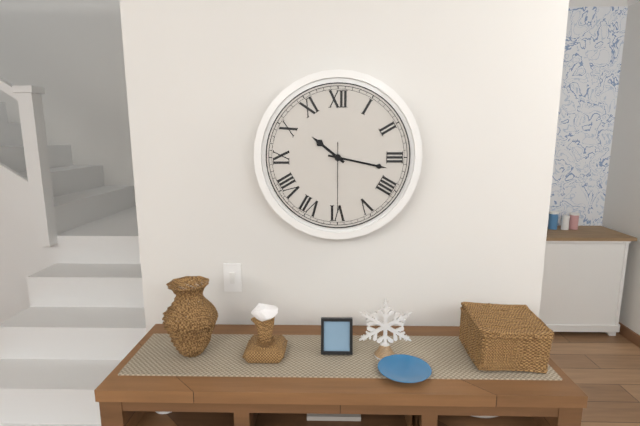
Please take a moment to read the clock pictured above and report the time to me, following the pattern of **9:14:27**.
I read **10:17:30**
